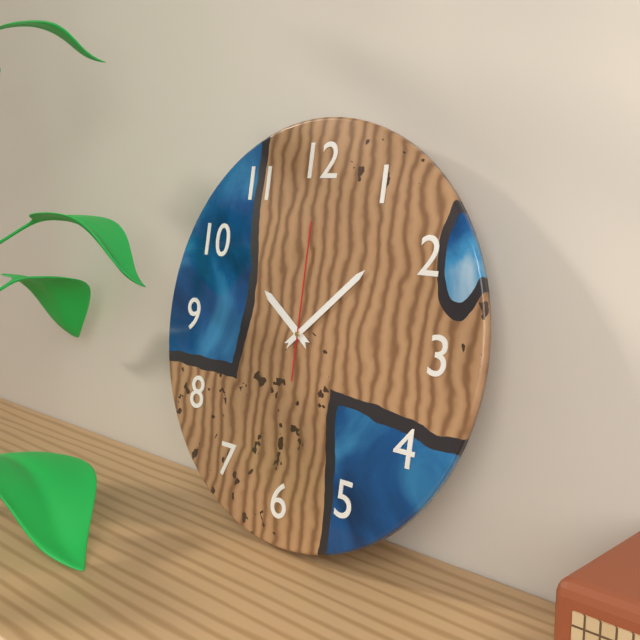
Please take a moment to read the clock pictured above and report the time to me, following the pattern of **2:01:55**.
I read **10:08:00**
